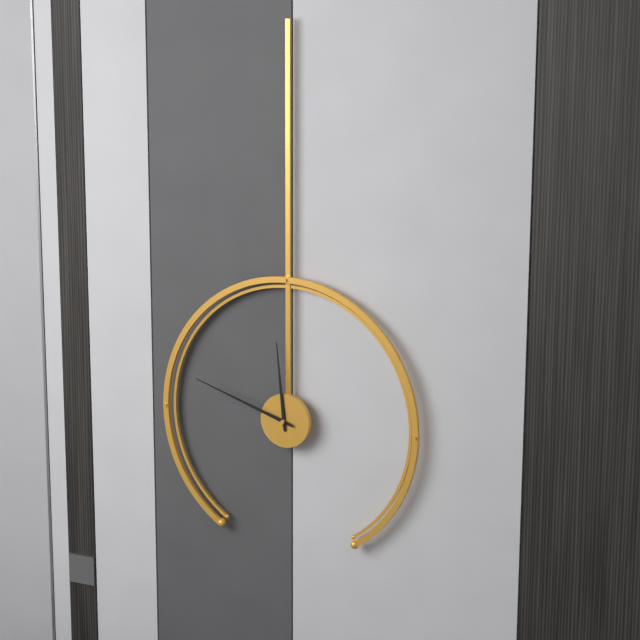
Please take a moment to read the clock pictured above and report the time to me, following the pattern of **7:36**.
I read **11:48**
